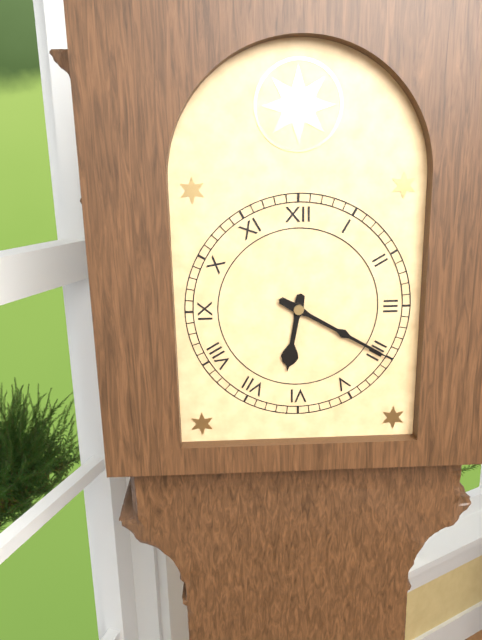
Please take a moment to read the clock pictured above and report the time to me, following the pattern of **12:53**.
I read **6:20**
